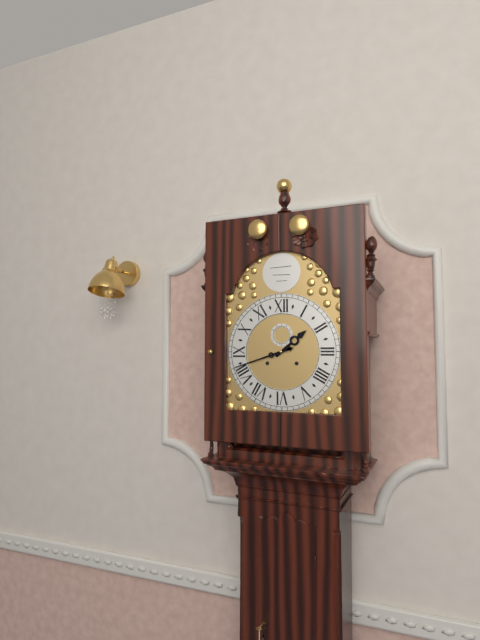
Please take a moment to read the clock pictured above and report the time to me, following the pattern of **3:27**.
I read **1:42**
